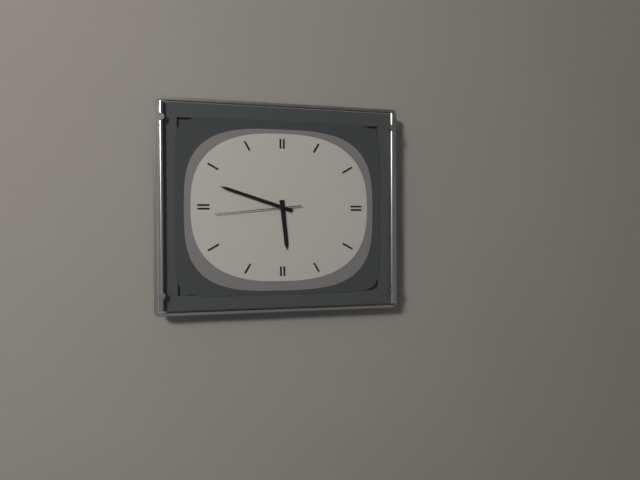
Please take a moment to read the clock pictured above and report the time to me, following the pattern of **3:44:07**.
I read **5:48:44**
